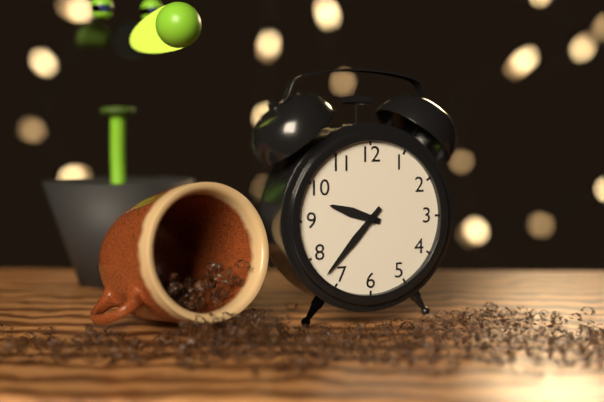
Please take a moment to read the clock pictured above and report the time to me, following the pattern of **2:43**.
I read **9:37**
